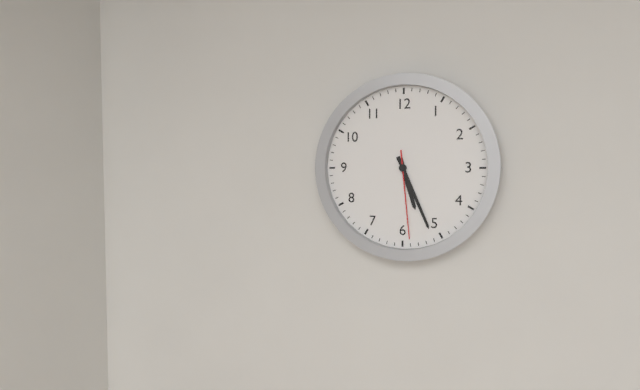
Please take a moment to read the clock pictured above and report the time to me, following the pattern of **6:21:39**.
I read **5:26:29**
